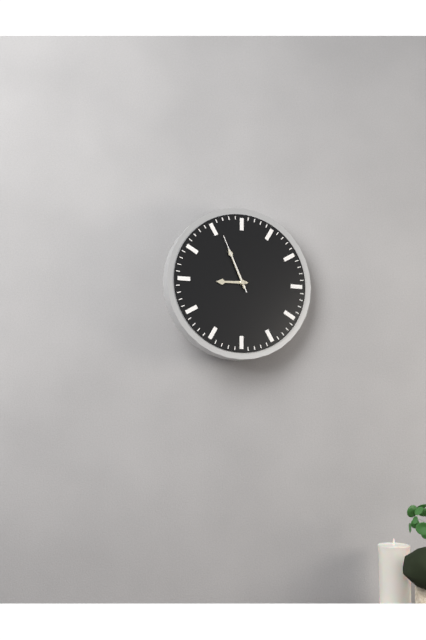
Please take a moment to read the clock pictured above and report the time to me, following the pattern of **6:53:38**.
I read **8:56:56**
